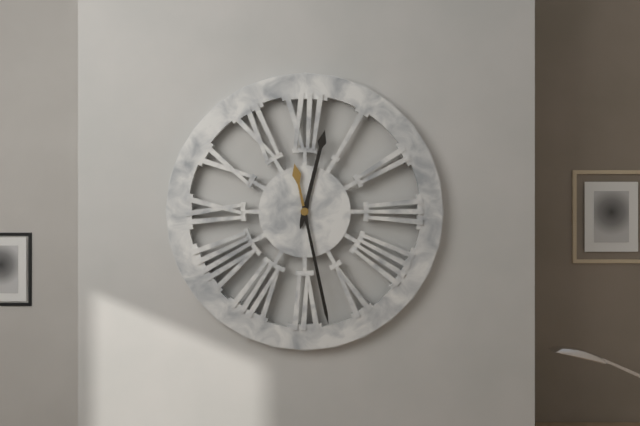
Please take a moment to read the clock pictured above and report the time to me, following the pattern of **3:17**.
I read **12:28**
